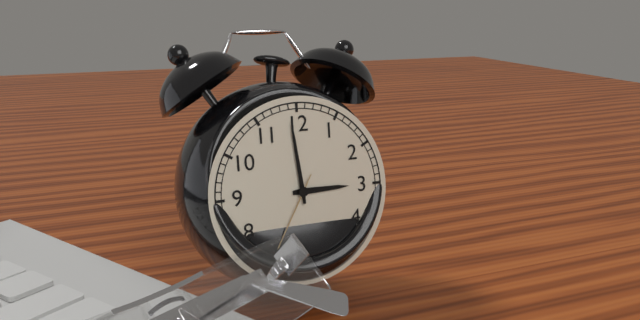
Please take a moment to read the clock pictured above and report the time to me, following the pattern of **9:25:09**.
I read **2:59:35**
